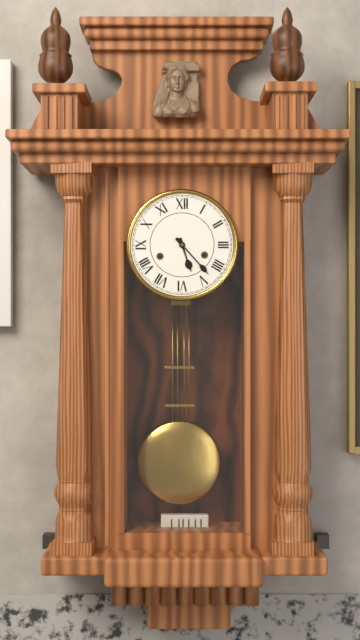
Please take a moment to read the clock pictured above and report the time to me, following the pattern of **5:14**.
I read **5:23**
